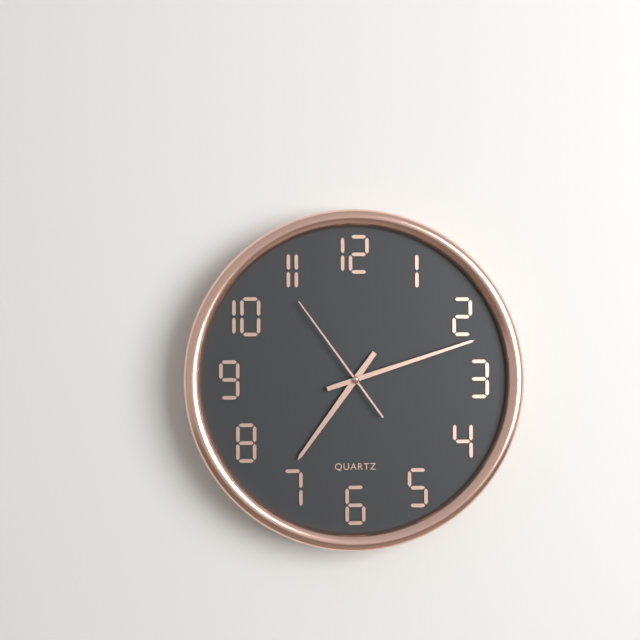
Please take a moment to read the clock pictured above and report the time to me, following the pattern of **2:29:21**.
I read **7:12:54**
